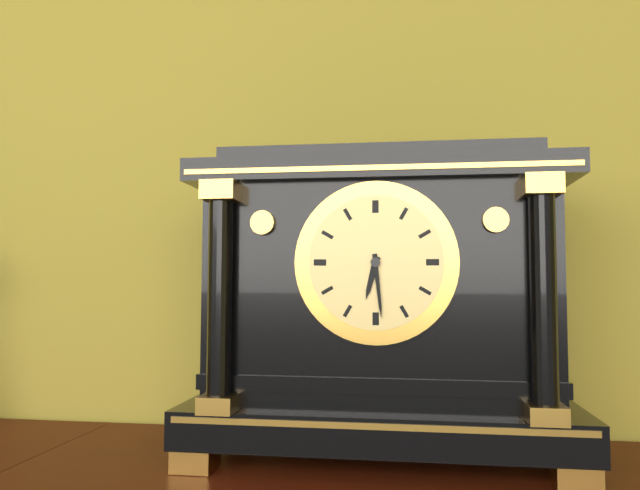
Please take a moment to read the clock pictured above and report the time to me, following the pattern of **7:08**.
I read **6:29**
